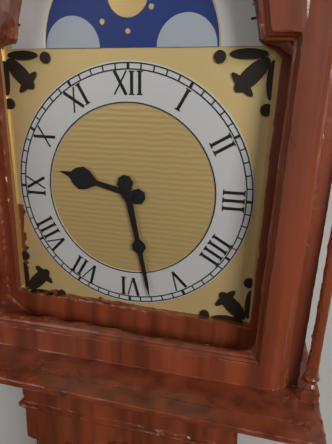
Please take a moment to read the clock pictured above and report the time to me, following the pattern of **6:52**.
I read **9:28**
